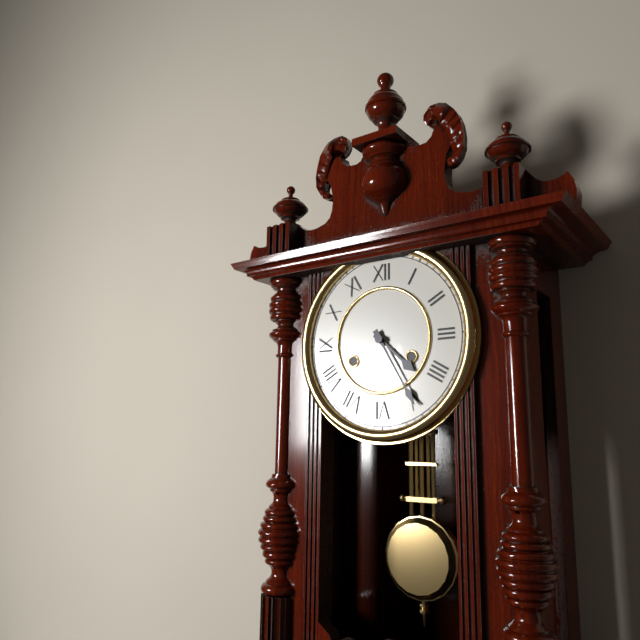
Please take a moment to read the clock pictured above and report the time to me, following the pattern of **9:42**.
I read **4:25**
